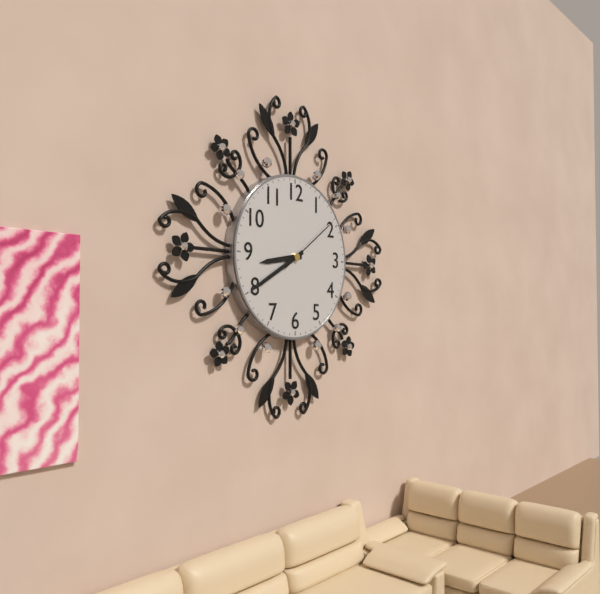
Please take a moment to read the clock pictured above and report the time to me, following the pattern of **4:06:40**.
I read **8:40:09**
